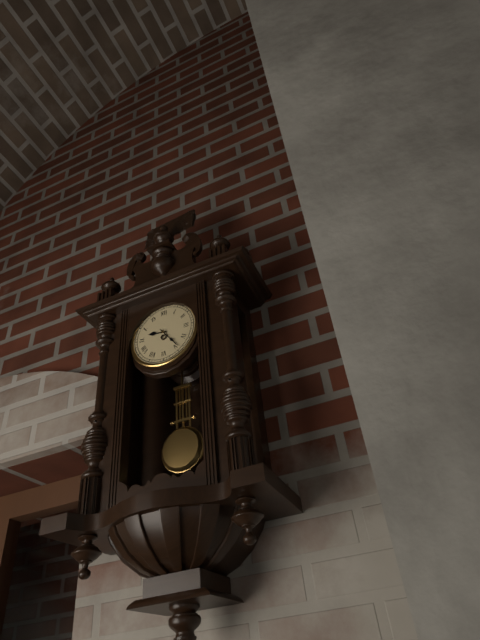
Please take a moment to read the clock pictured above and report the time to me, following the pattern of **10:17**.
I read **9:24**
